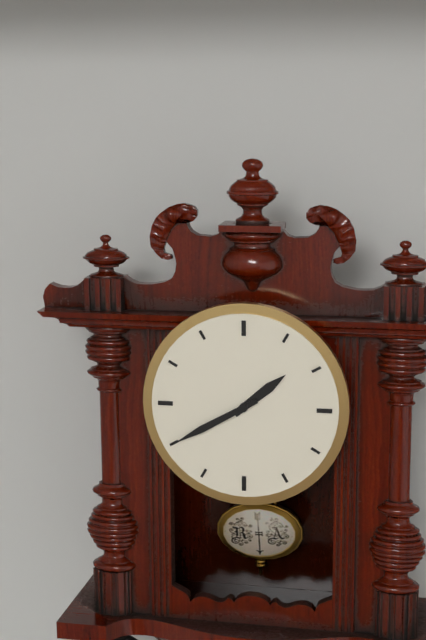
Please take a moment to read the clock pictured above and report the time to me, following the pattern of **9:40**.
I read **1:40**
